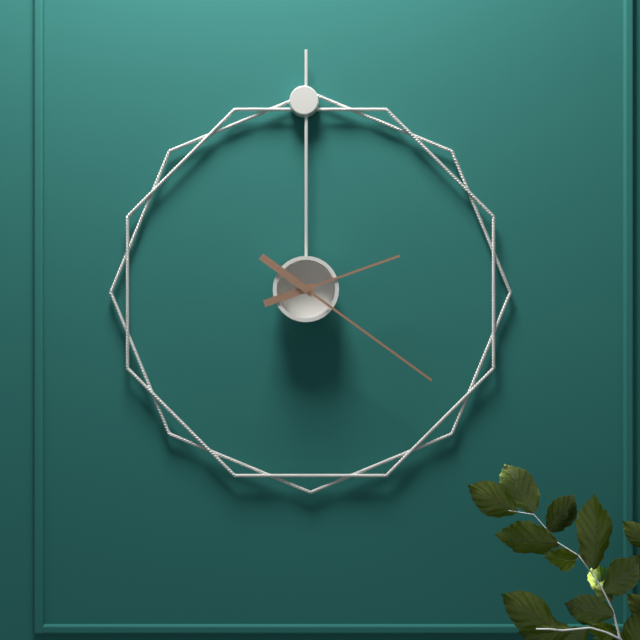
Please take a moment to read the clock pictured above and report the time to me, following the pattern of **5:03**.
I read **2:21**
